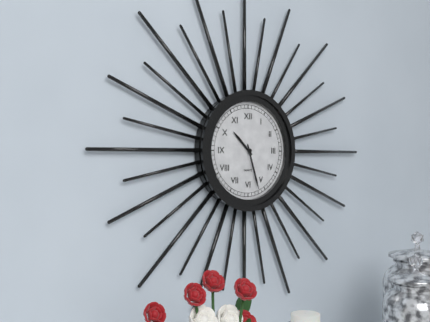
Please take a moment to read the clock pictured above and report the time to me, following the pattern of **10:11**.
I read **10:27**
